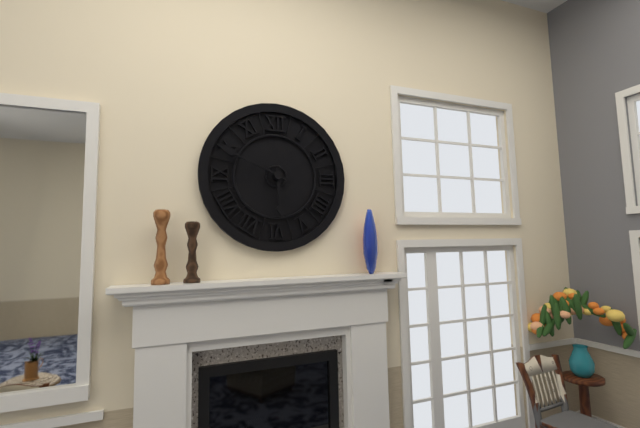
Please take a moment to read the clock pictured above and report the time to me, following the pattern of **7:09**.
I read **5:49**
